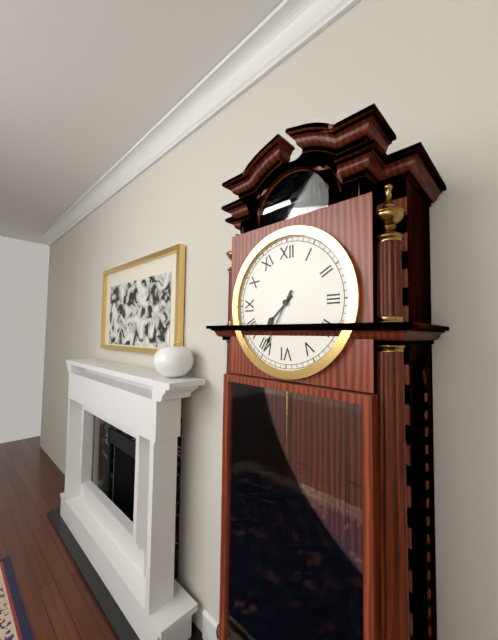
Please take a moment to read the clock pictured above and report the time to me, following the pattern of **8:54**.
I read **7:35**
